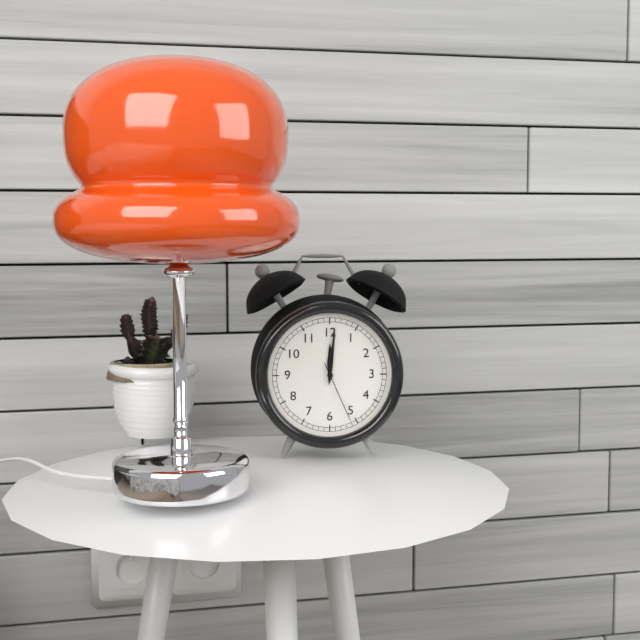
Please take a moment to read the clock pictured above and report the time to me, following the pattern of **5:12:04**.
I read **12:01:26**
